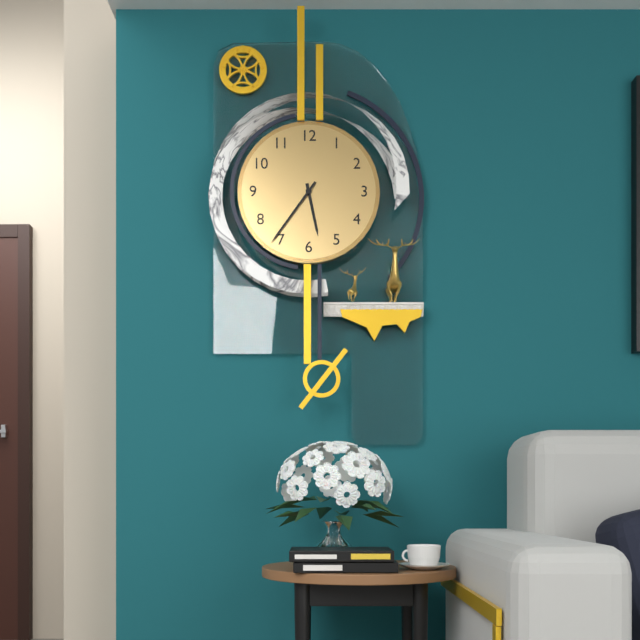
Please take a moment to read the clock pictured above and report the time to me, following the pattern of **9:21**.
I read **5:36**
